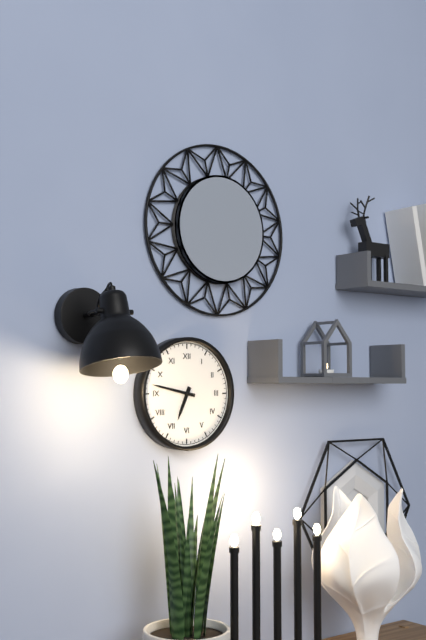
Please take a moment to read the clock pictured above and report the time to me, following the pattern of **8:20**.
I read **6:47**
